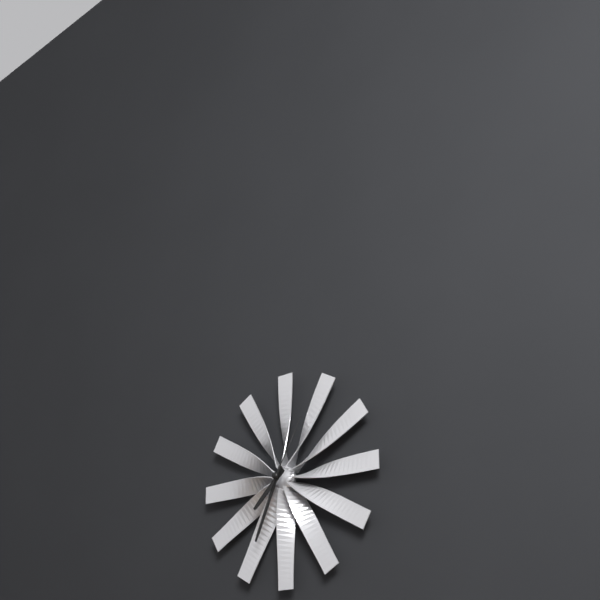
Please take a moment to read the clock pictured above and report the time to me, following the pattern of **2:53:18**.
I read **7:34:05**
